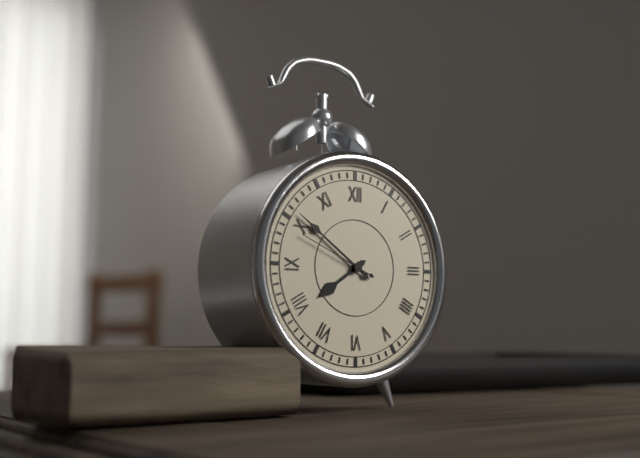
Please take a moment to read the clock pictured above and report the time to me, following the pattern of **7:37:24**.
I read **7:51:49**
